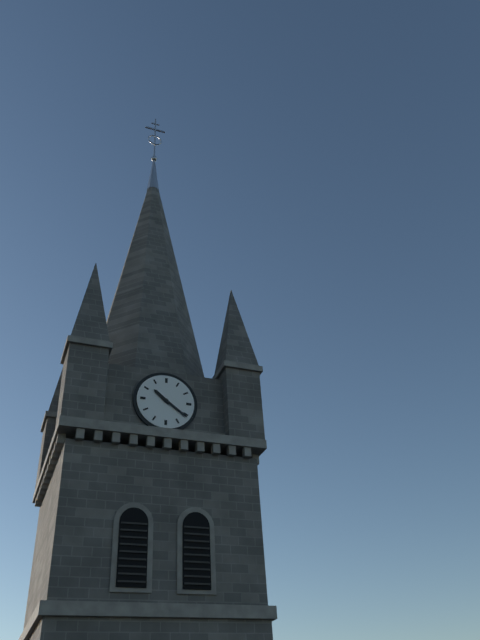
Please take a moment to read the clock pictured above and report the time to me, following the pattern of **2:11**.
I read **10:21**
